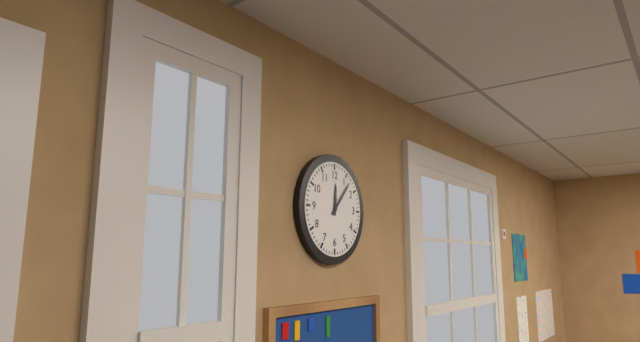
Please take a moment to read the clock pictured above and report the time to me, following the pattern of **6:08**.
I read **12:07**
